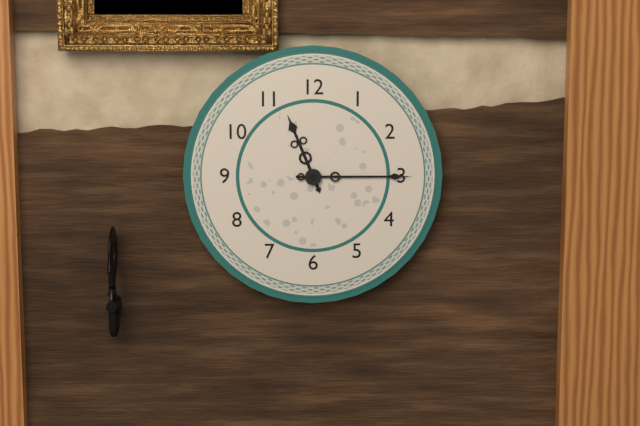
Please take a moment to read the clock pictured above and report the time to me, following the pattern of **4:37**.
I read **11:15**
